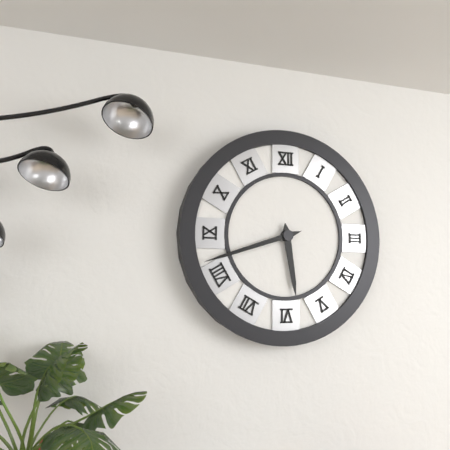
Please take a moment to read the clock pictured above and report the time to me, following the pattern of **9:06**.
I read **5:42**
